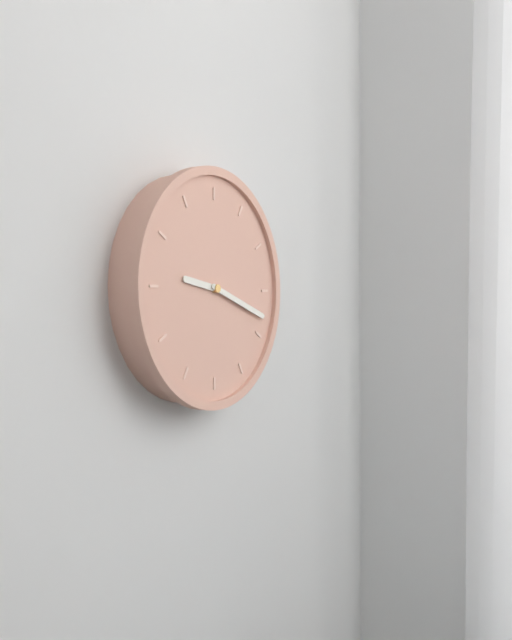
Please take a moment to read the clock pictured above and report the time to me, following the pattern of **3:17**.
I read **9:18**
